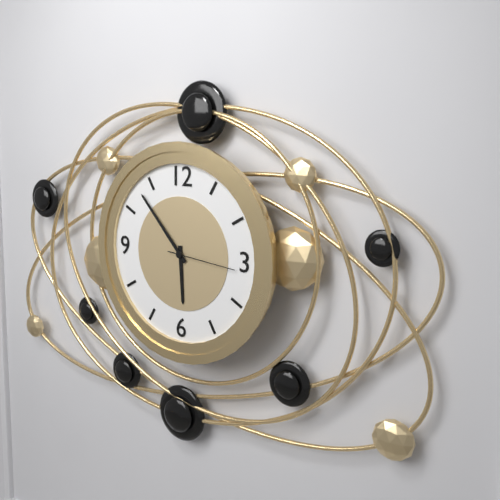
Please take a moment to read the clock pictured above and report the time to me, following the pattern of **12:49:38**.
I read **5:53:16**
